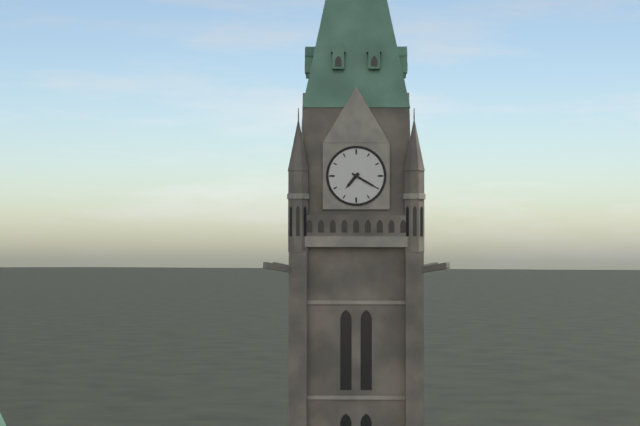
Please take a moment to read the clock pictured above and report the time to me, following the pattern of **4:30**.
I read **7:20**
